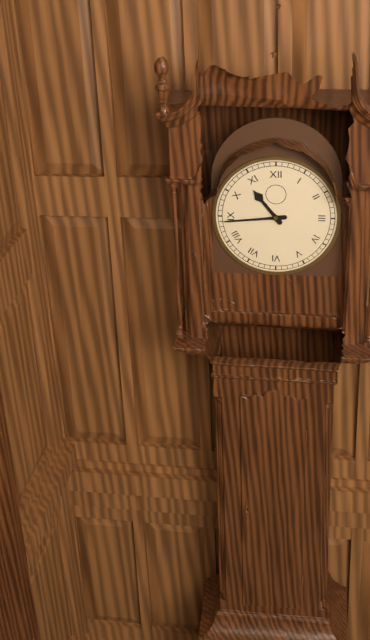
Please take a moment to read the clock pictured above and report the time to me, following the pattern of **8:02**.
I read **10:44**
